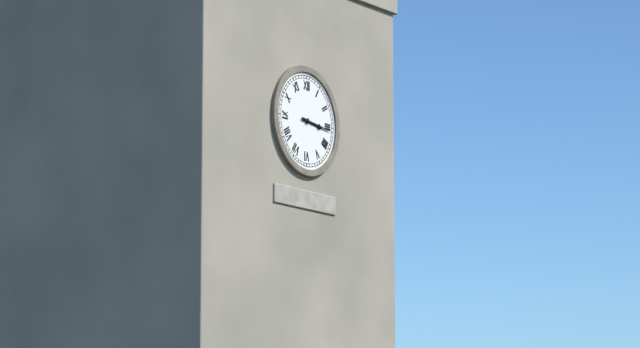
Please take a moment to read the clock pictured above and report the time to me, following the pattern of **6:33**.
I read **3:16**
